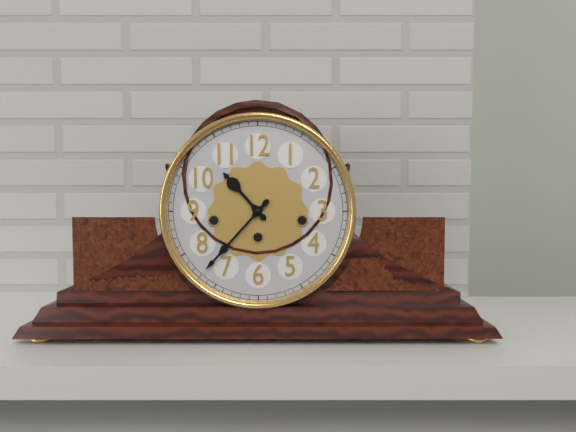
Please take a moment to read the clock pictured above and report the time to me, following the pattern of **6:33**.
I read **10:37**
